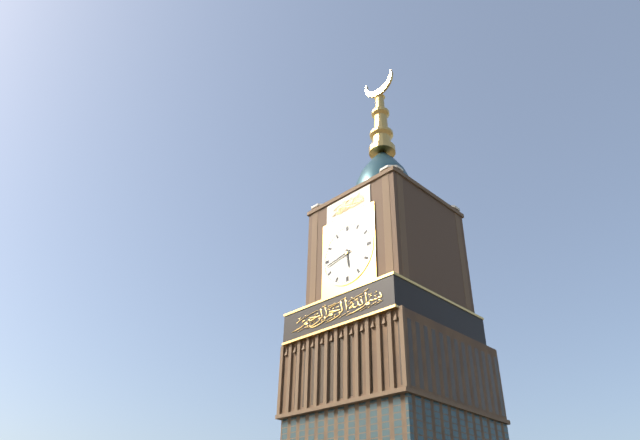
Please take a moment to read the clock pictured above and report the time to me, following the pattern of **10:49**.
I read **5:43**
